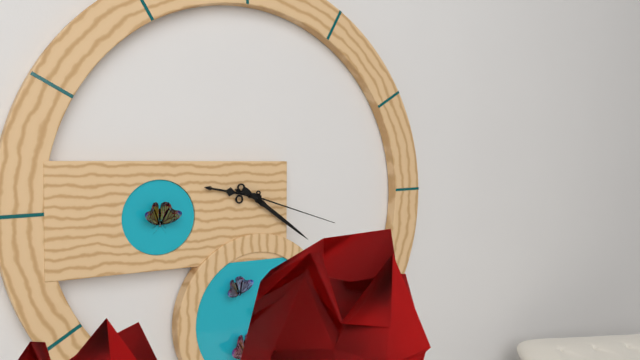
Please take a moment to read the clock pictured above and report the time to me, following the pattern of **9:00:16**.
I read **9:21:18**
